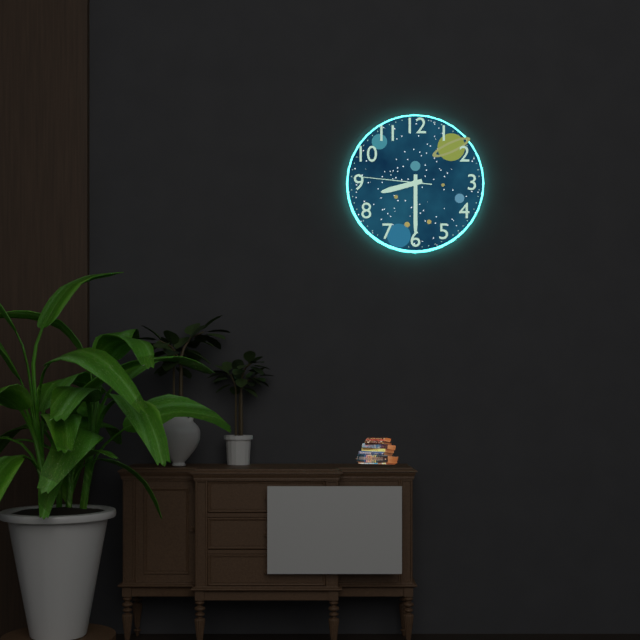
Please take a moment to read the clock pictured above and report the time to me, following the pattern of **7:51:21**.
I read **8:30:46**
